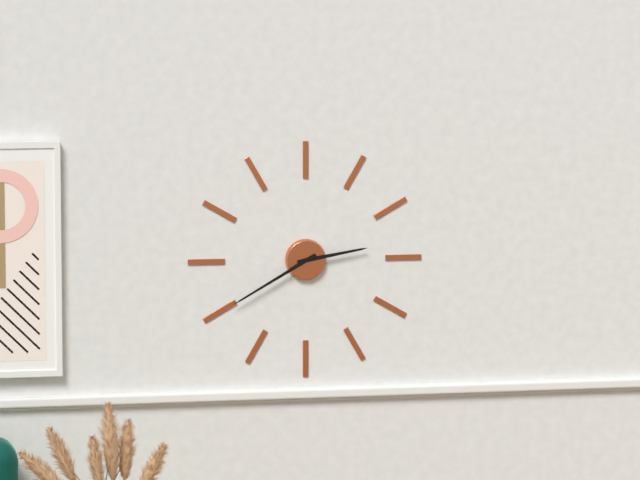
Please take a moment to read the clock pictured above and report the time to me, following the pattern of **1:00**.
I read **2:40**
